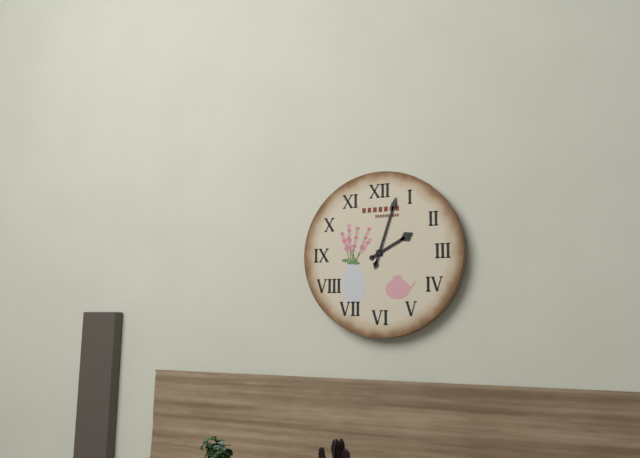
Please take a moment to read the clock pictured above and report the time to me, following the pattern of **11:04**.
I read **2:03**
